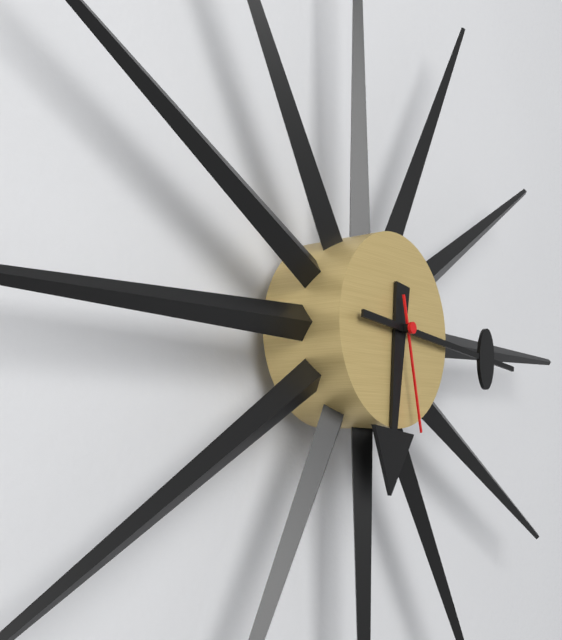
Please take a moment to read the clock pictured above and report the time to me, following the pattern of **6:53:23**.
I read **6:16:28**
